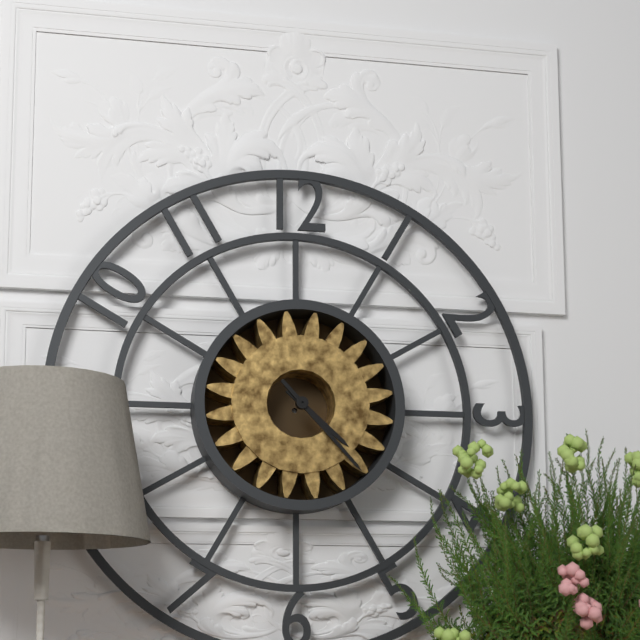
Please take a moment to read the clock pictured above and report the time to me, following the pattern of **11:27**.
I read **4:23**
